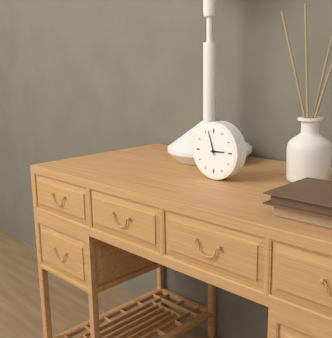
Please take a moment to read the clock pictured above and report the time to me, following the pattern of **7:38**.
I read **2:57**
